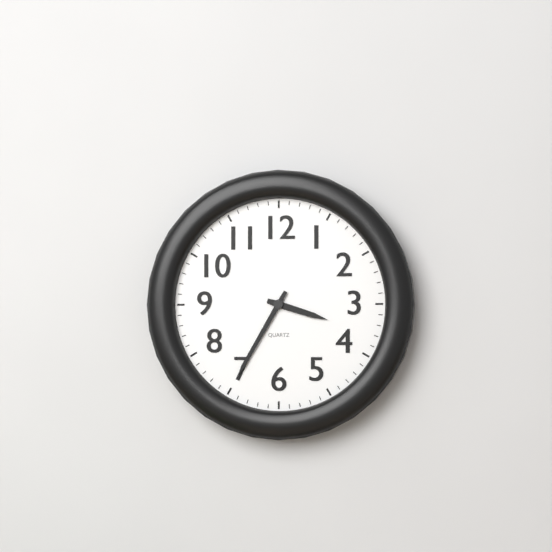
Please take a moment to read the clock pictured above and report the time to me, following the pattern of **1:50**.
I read **3:35**
